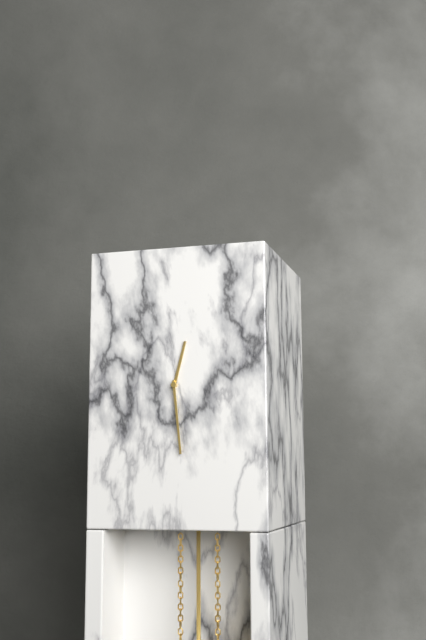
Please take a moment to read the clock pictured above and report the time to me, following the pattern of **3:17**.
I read **12:29**
